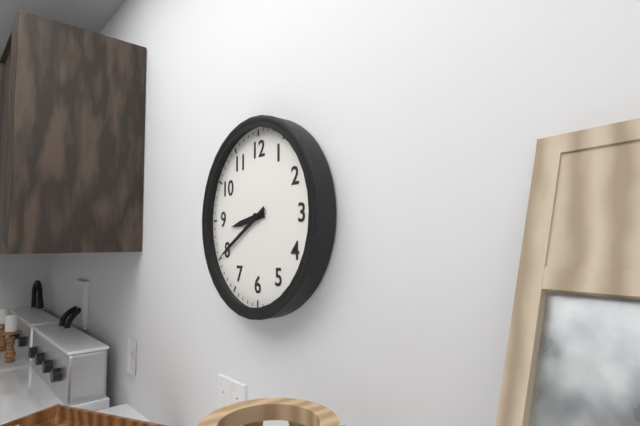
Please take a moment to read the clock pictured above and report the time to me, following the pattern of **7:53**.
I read **8:40**
